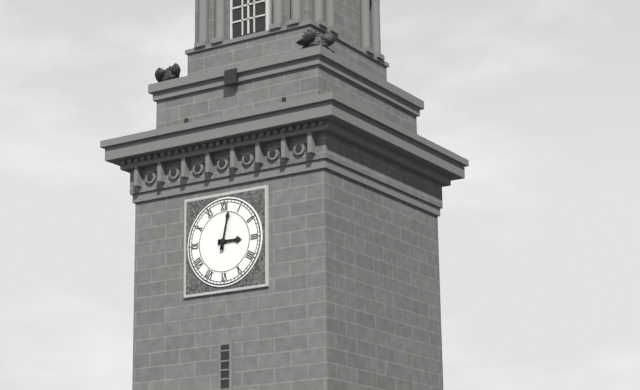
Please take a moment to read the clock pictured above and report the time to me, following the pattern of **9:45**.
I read **3:02**
